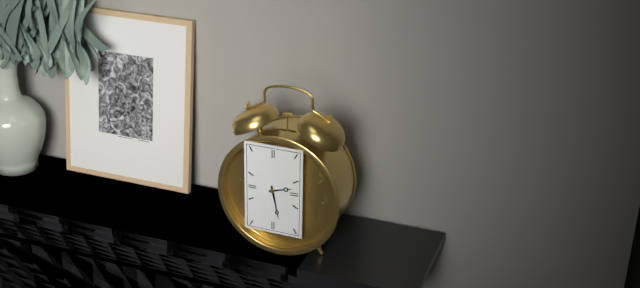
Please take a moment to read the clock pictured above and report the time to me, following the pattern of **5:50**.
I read **2:28**
